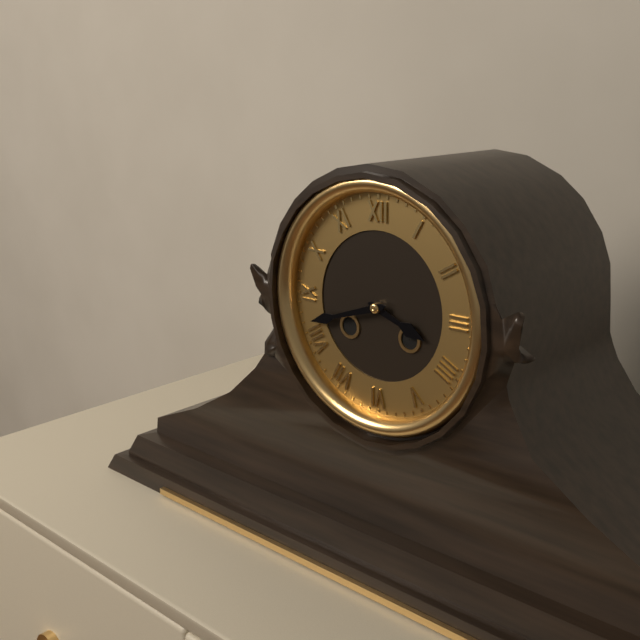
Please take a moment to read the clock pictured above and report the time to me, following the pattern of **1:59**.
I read **3:42**
